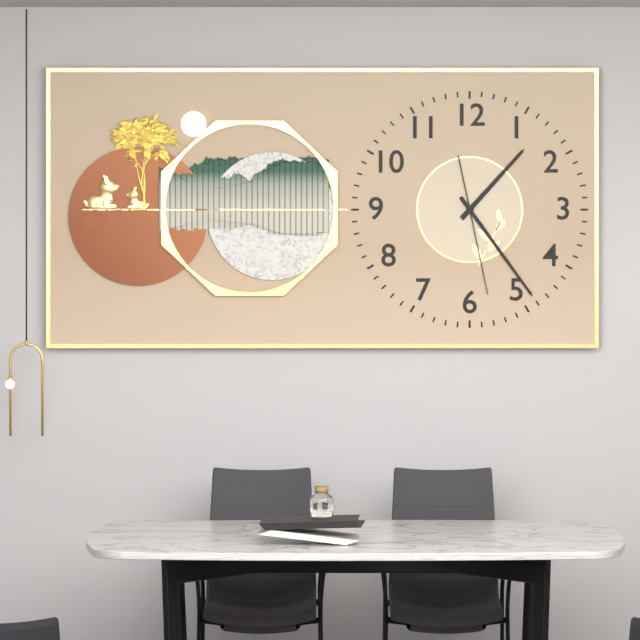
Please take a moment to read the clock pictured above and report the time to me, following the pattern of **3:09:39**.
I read **1:24:28**
